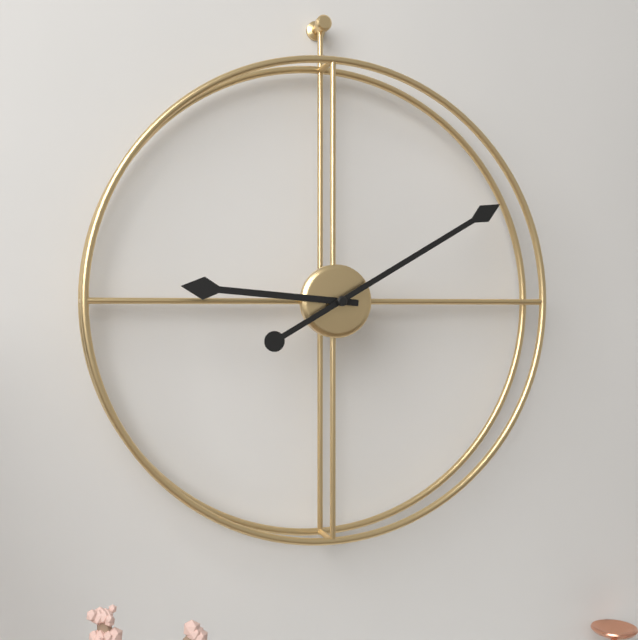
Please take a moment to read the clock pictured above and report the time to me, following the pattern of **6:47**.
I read **9:10**
